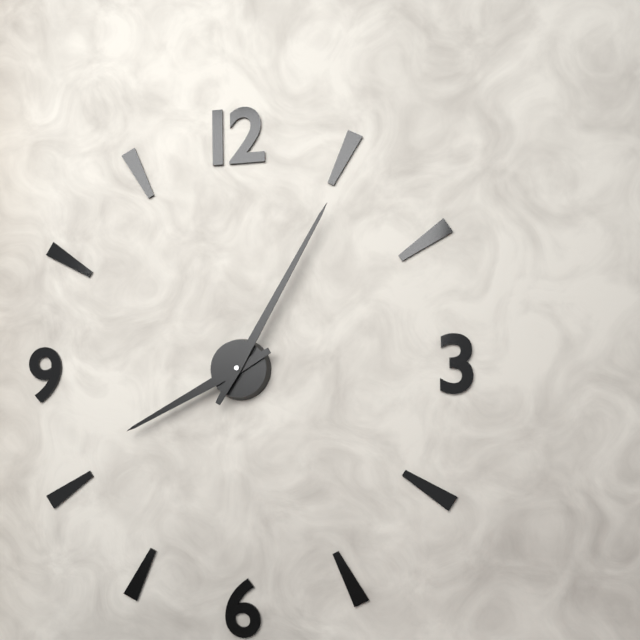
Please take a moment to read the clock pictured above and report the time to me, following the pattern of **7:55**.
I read **8:05**
